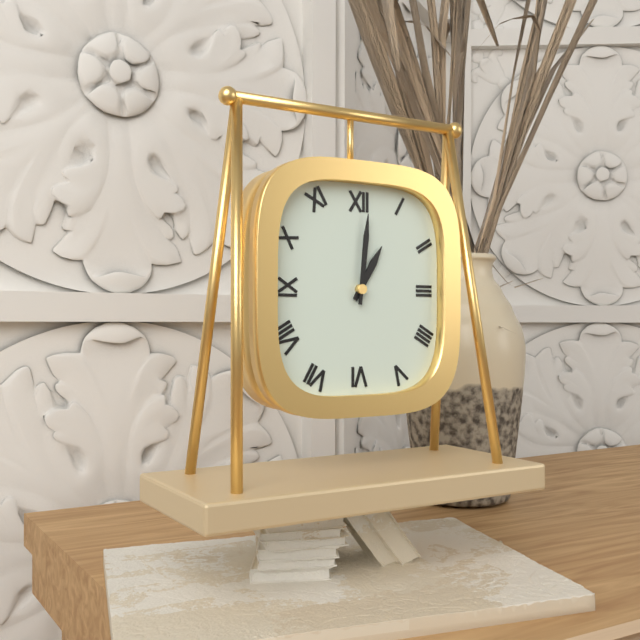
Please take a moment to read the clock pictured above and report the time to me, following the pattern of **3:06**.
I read **1:01**
